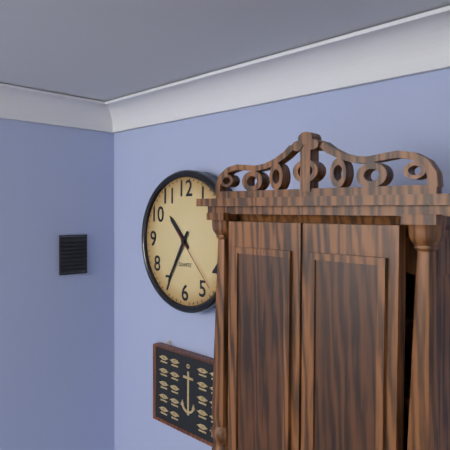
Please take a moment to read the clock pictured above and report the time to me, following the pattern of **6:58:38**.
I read **10:35:23**
